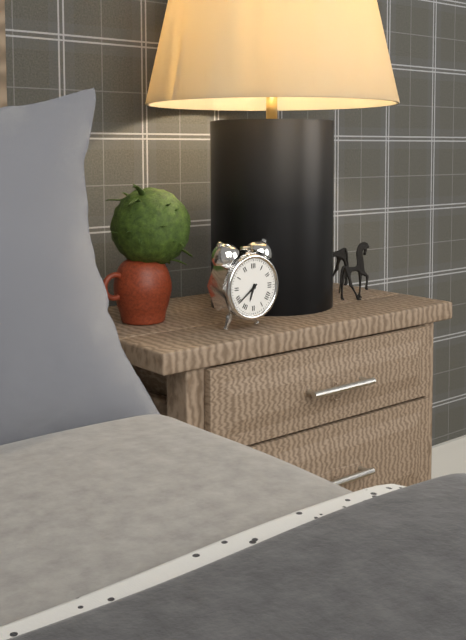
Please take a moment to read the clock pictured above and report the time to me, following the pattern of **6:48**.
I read **6:39**
